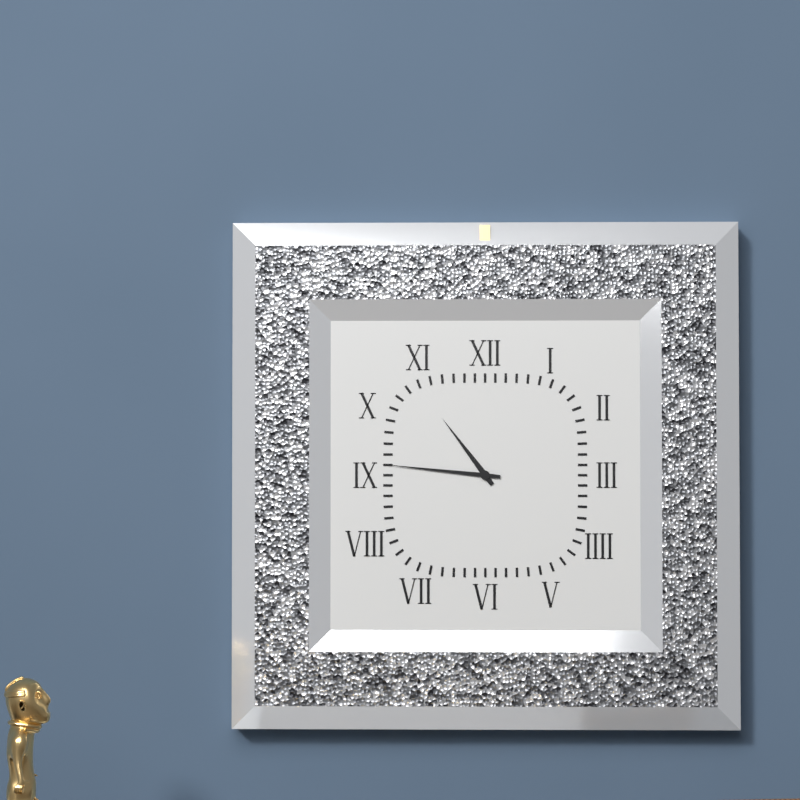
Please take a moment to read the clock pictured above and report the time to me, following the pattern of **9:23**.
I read **10:46**
